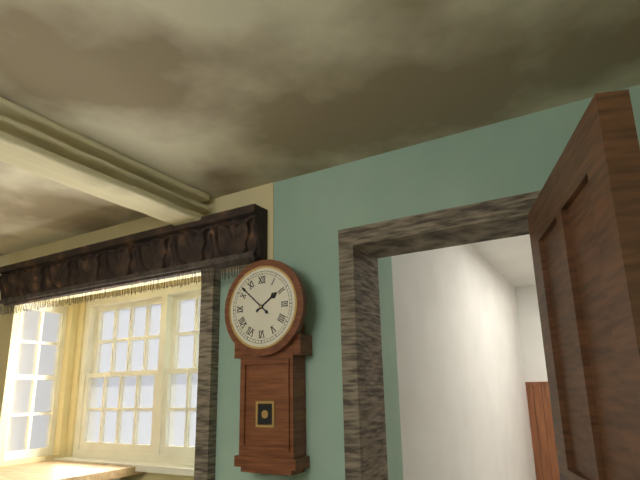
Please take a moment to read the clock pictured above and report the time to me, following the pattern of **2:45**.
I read **1:52**
